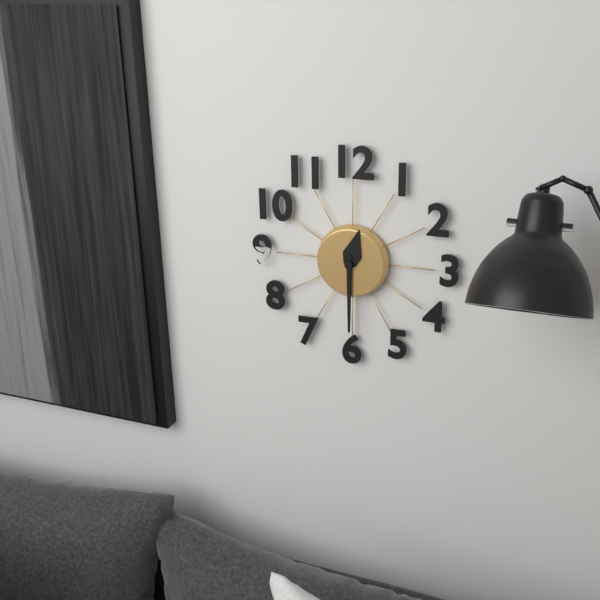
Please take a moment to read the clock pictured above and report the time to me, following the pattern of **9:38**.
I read **12:30**
